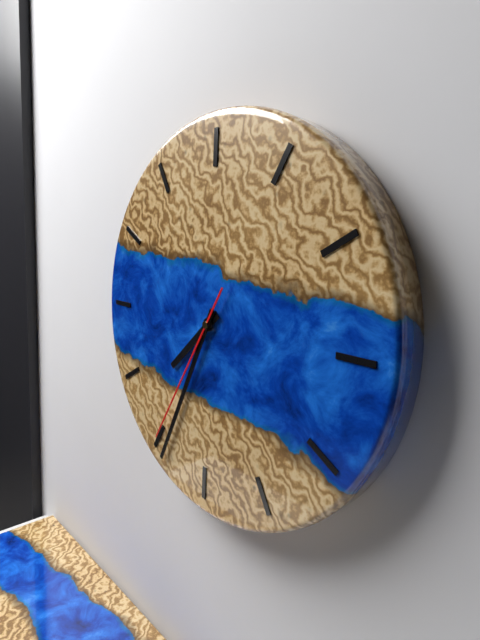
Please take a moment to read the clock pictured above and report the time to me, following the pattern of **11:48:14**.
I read **7:34:35**
